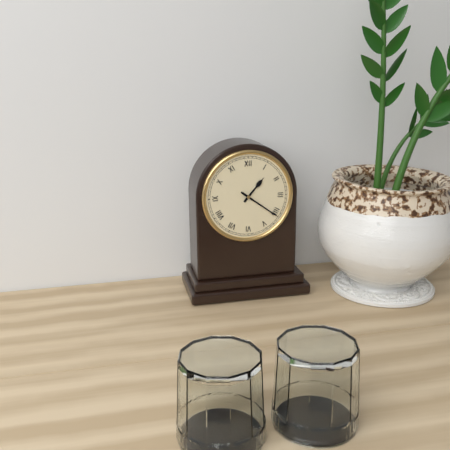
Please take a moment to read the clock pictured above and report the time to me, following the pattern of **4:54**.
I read **1:21**
